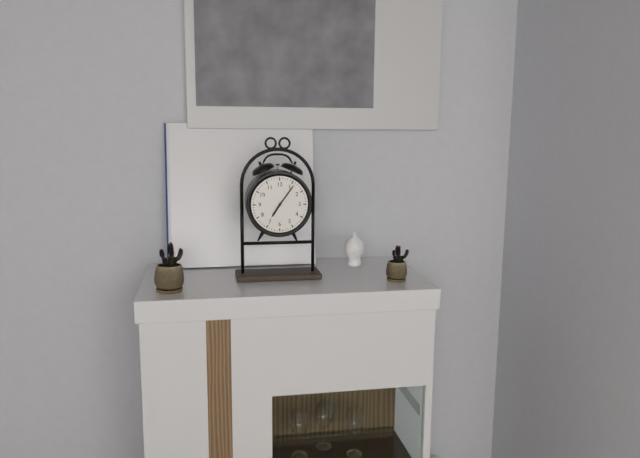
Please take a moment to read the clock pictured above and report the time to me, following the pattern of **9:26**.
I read **7:06**
